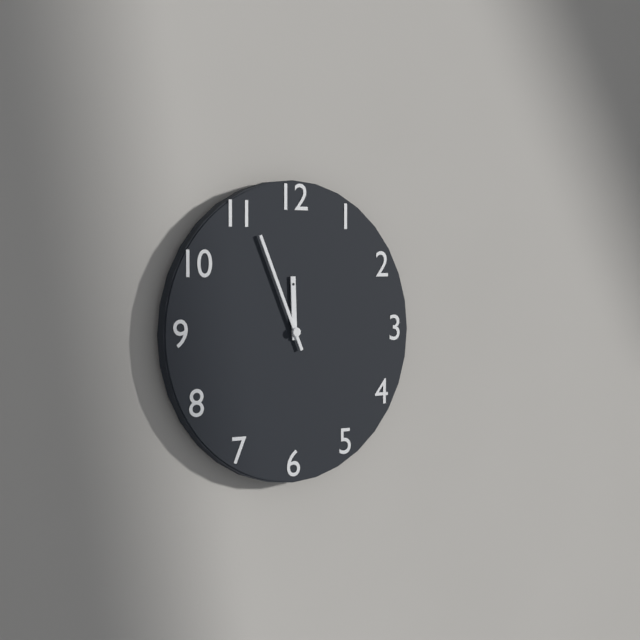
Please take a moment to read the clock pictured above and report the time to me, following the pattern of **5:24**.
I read **11:56**
